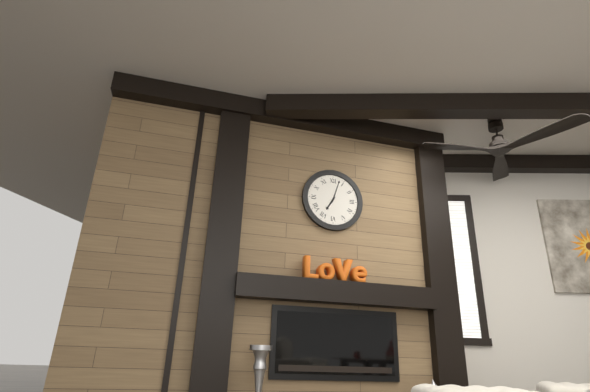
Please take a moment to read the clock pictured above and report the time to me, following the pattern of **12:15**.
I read **7:03**
